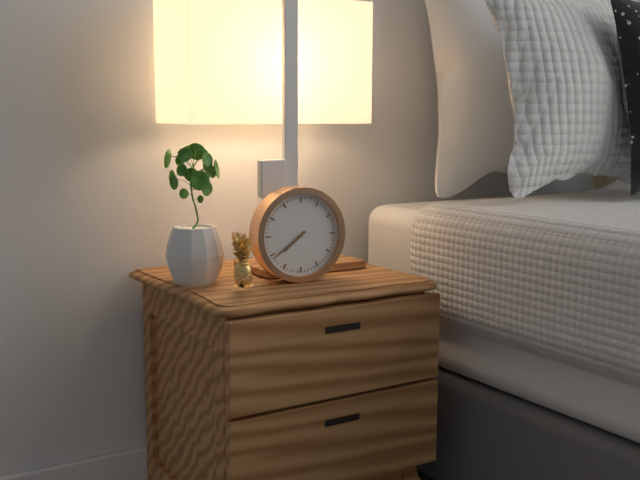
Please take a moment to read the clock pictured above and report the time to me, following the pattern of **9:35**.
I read **7:39**
